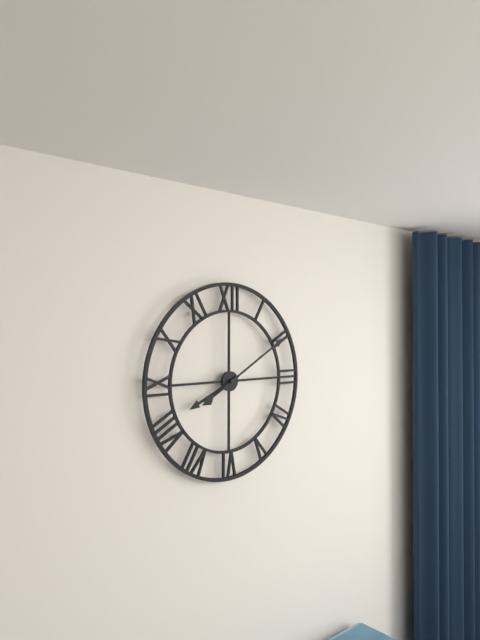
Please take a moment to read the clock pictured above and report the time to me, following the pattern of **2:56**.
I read **8:10**
